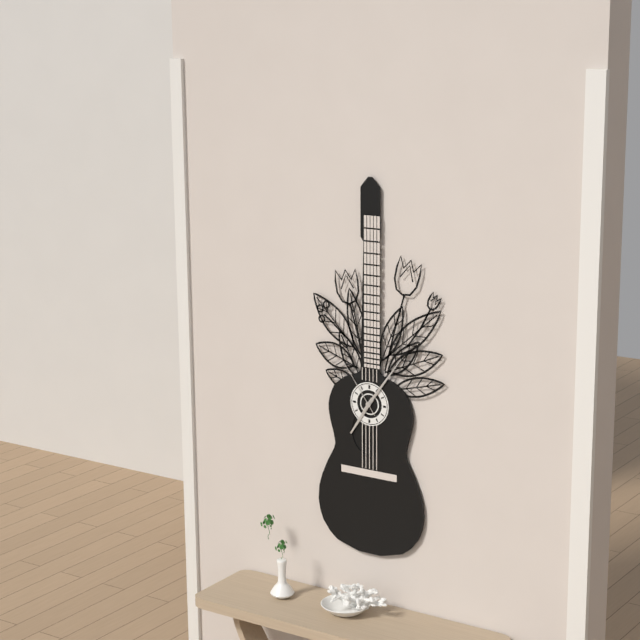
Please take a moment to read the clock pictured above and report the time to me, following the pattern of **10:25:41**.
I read **7:06:54**
